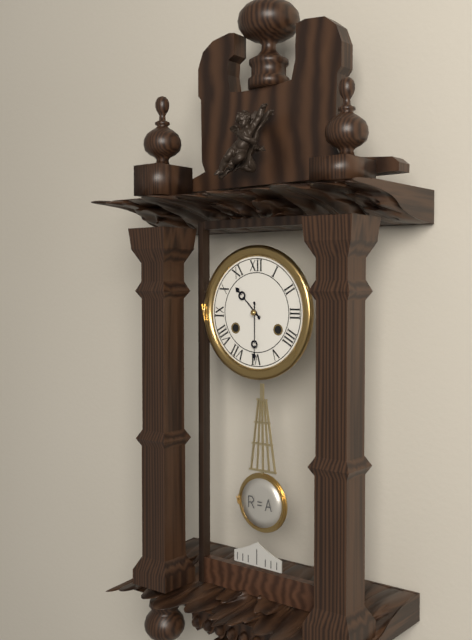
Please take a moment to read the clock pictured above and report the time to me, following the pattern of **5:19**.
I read **10:30**
